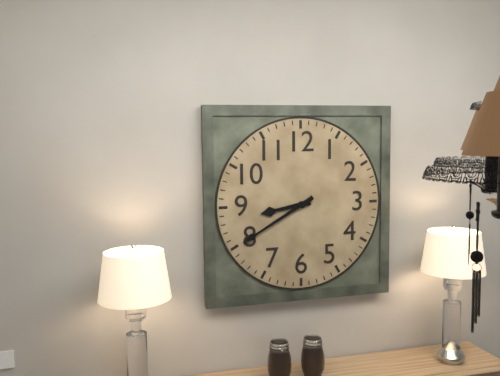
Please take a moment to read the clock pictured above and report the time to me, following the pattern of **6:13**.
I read **8:40**
